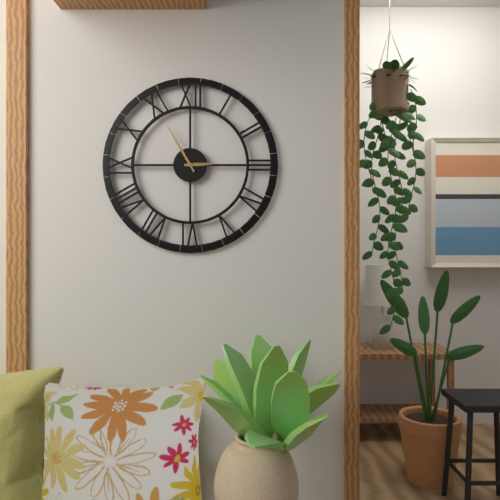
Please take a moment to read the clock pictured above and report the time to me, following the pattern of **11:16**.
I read **2:55**
